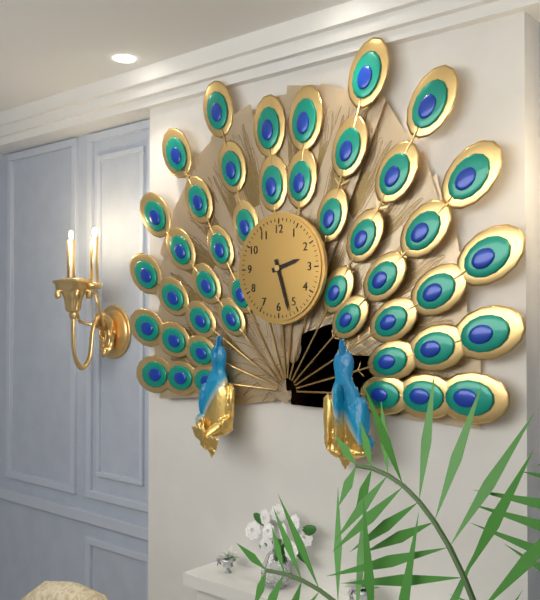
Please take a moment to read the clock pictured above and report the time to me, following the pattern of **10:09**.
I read **2:27**
